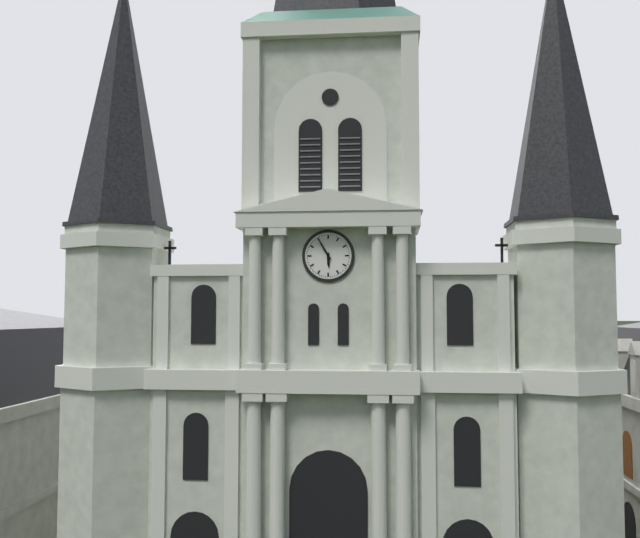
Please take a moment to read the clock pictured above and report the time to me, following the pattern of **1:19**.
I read **5:55**
